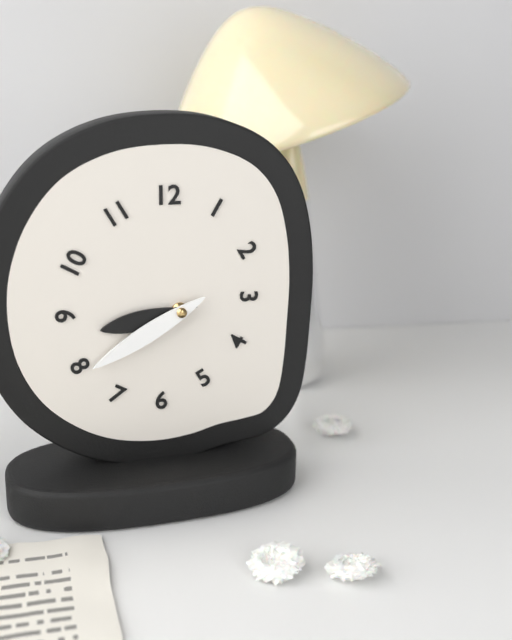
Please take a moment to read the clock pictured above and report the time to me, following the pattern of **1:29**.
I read **8:40**
